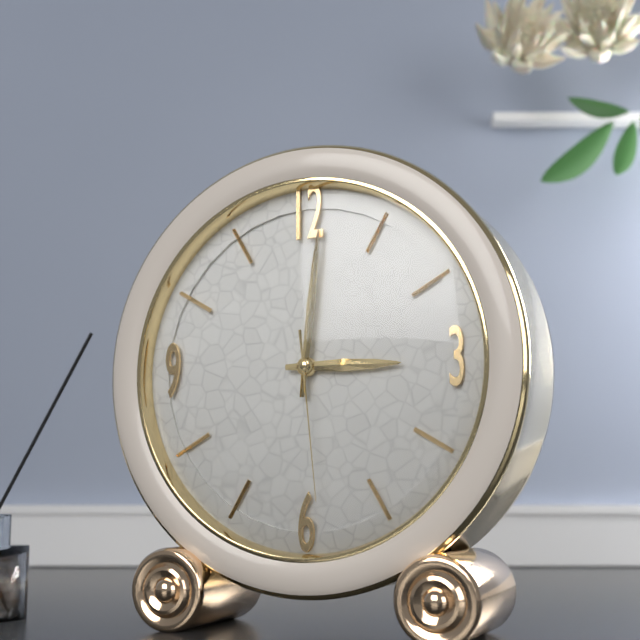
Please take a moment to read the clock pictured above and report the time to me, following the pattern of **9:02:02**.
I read **3:01:29**
